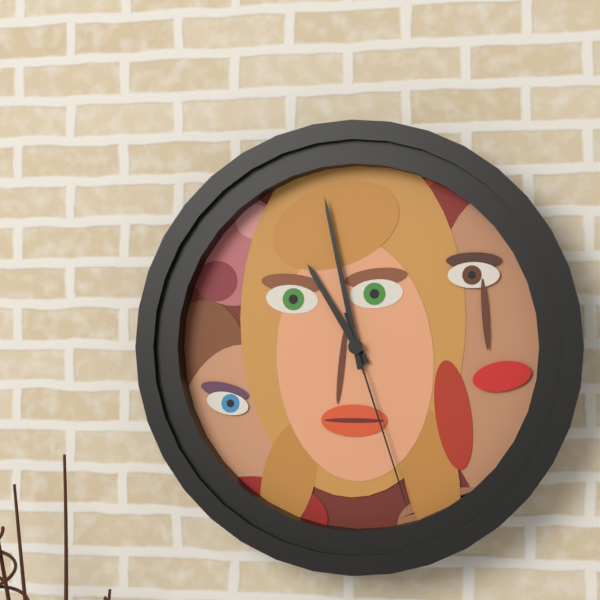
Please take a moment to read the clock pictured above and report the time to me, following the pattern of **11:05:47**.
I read **10:58:27**
